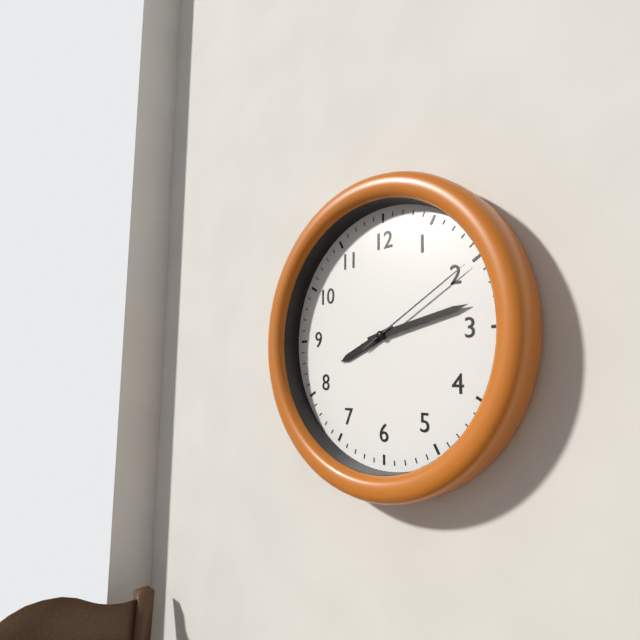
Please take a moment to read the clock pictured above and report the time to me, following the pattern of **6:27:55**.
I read **8:13:10**
